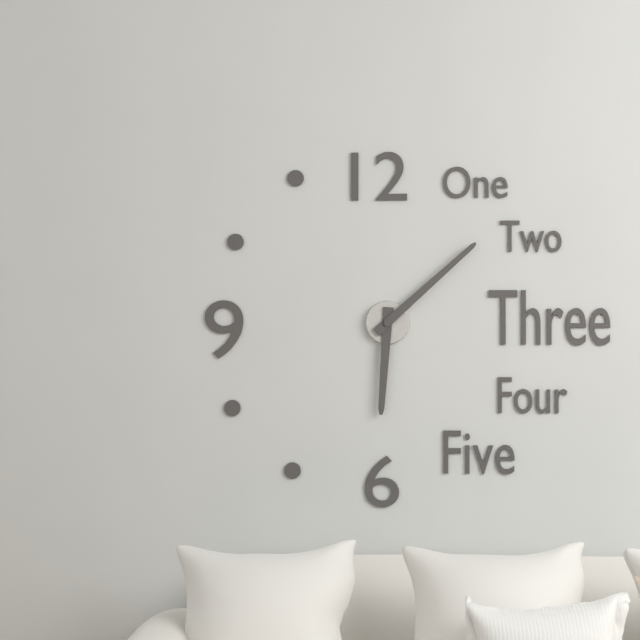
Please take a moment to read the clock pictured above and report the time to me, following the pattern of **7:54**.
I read **6:08**
